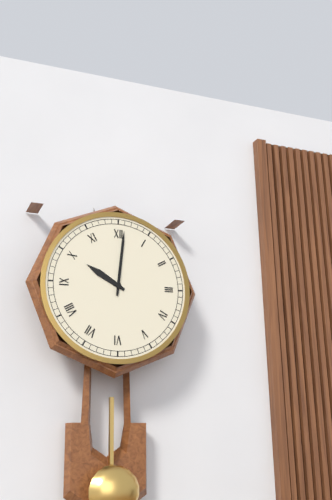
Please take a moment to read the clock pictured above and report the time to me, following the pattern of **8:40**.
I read **10:01**
